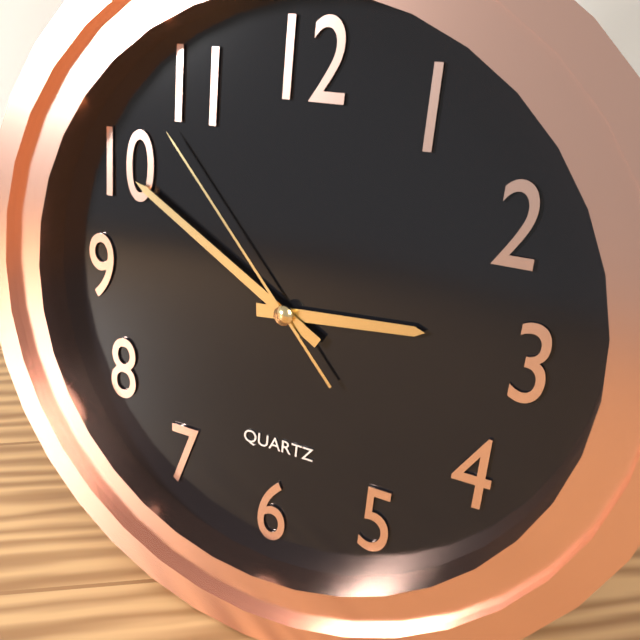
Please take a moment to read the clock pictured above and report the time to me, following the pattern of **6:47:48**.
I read **2:50:53**
